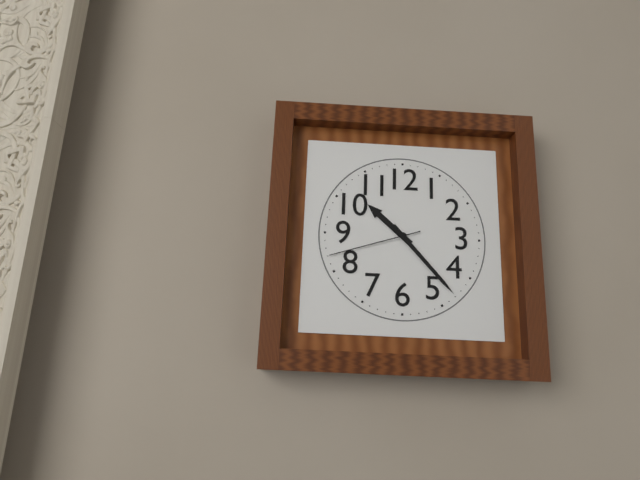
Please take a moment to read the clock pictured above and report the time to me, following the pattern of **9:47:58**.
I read **10:23:42**
